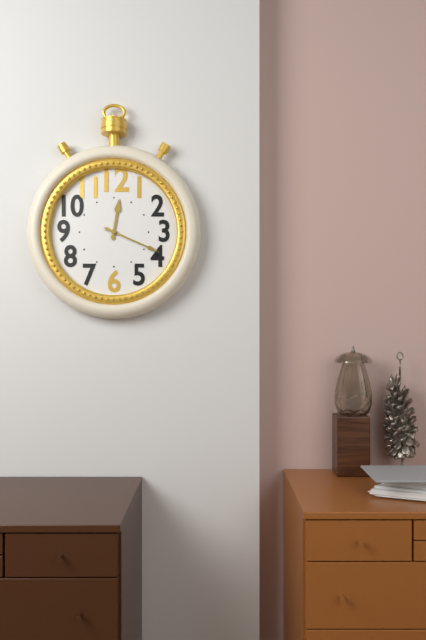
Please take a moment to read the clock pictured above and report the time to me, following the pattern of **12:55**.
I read **12:19**
